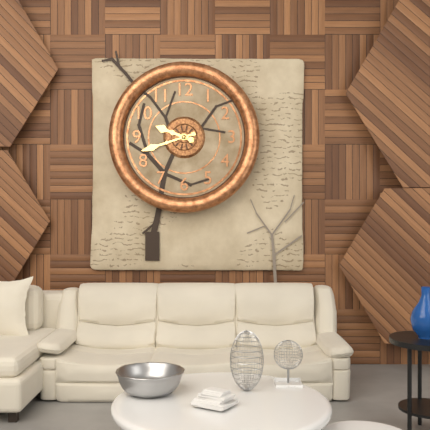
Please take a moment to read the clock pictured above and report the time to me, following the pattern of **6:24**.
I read **9:42**
